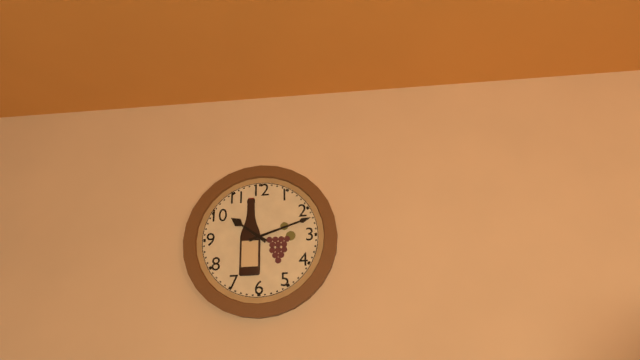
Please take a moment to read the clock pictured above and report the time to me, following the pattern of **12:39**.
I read **10:12**
